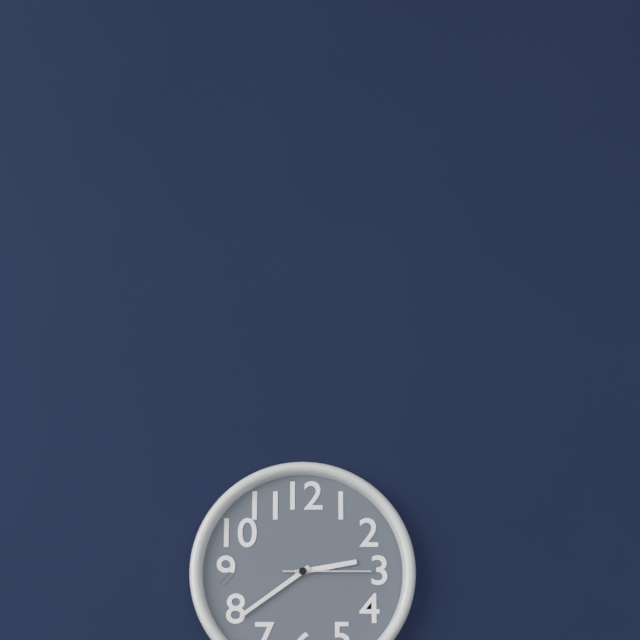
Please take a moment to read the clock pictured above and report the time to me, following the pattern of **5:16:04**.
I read **2:39:15**
